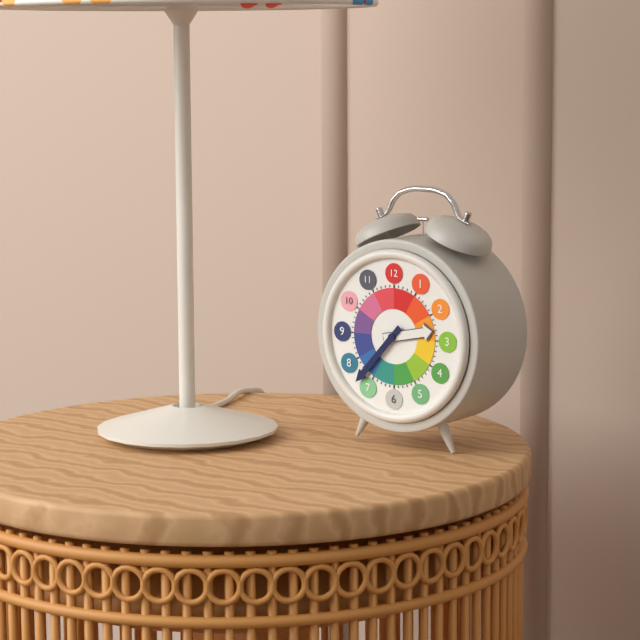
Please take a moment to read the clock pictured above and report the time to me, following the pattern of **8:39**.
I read **2:37**
